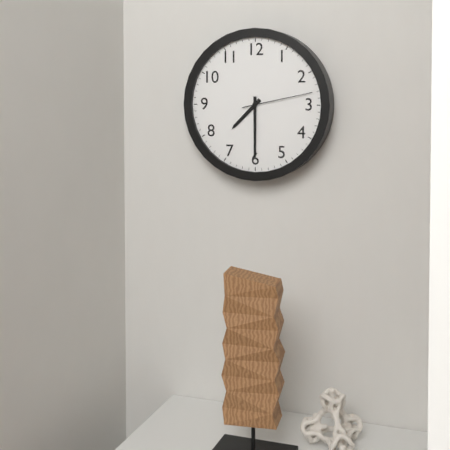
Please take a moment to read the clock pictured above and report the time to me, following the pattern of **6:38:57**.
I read **7:30:13**
